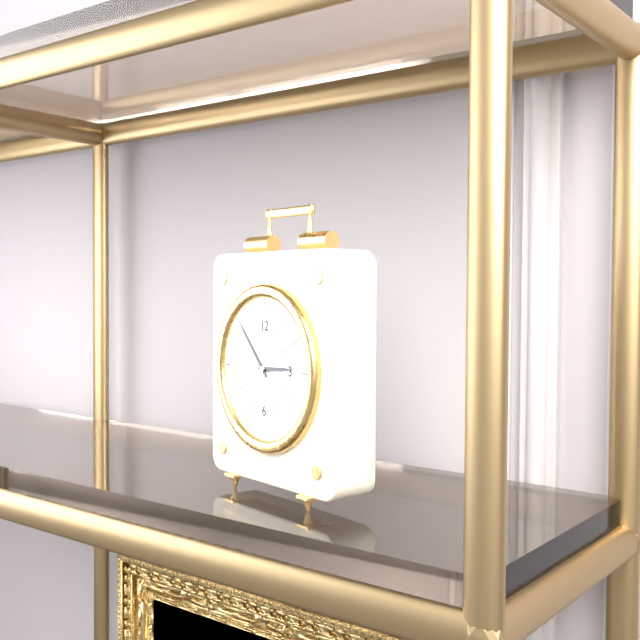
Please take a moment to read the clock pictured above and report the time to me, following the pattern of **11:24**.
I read **2:53**
